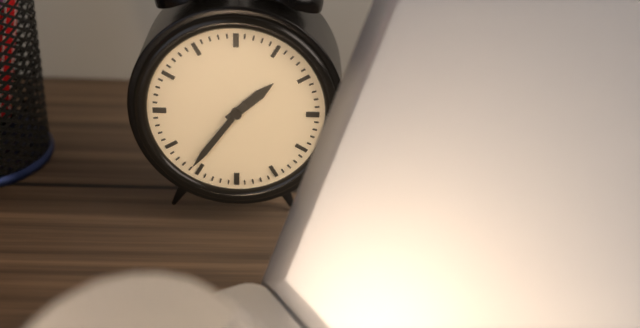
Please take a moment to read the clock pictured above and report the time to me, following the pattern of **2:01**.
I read **1:36**
